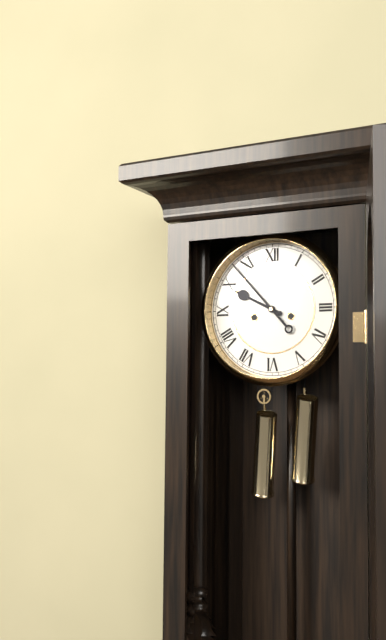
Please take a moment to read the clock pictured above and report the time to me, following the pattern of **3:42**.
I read **9:53**
